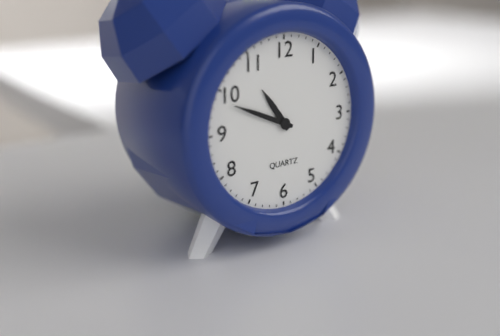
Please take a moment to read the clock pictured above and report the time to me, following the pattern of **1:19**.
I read **10:49**
